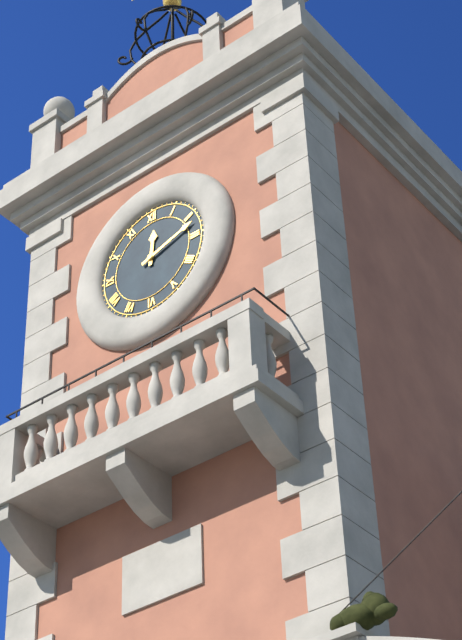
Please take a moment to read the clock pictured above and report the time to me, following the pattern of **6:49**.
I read **12:12**
